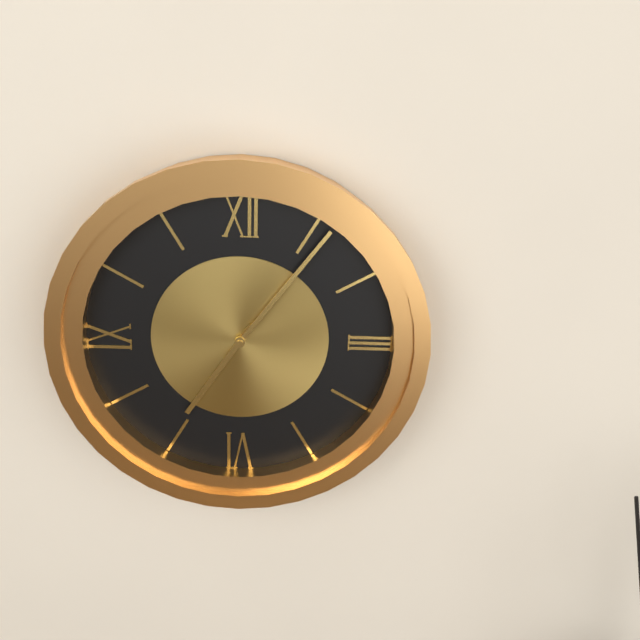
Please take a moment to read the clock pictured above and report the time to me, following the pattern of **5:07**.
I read **7:06**
